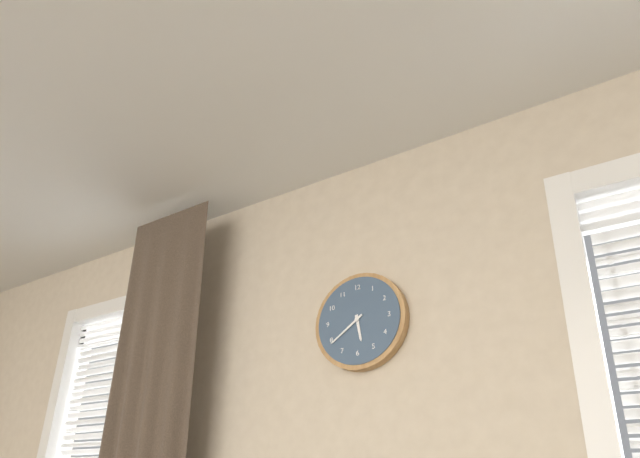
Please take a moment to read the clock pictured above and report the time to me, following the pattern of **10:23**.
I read **5:39**
